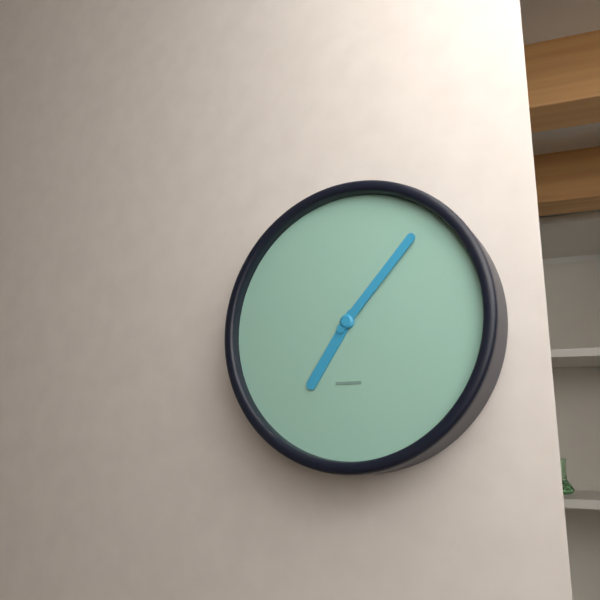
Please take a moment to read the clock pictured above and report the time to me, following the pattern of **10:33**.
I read **7:07**
